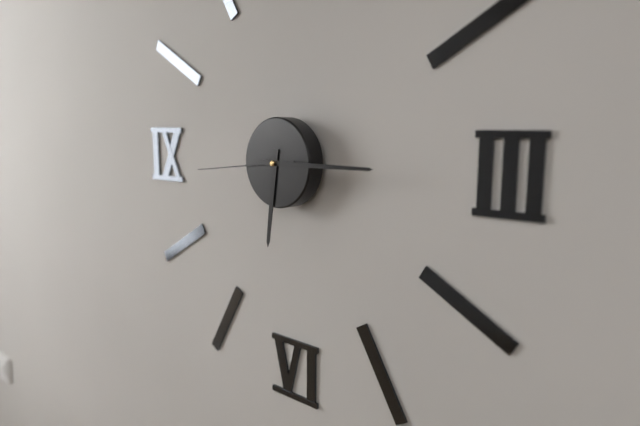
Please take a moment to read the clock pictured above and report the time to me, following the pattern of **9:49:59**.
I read **6:15:44**
